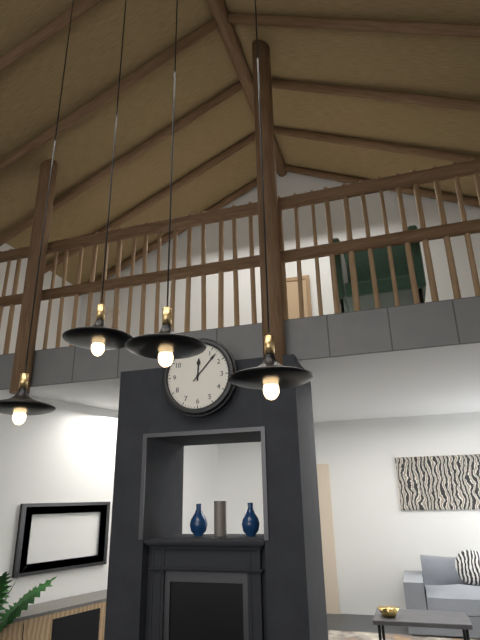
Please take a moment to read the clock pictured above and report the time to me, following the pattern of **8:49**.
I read **12:07**
